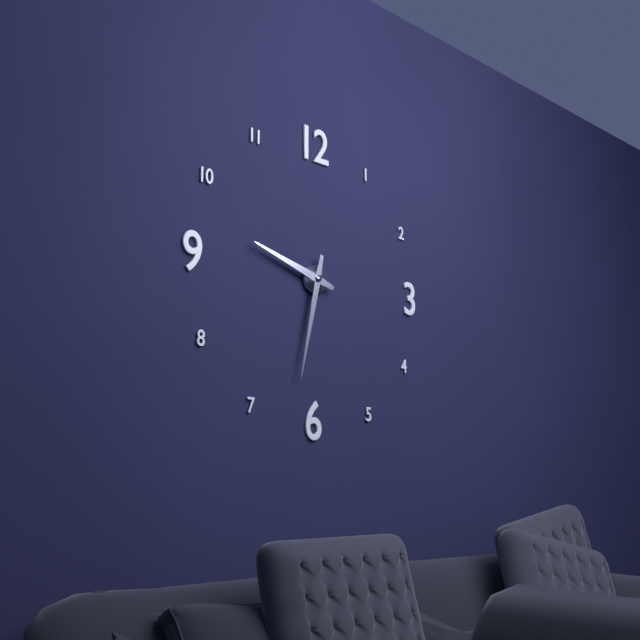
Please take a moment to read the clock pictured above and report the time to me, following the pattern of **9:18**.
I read **9:32**
